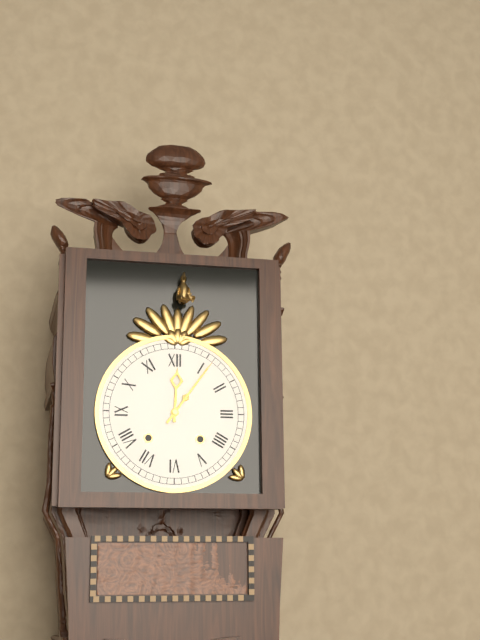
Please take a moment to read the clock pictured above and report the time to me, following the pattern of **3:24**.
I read **12:06**
